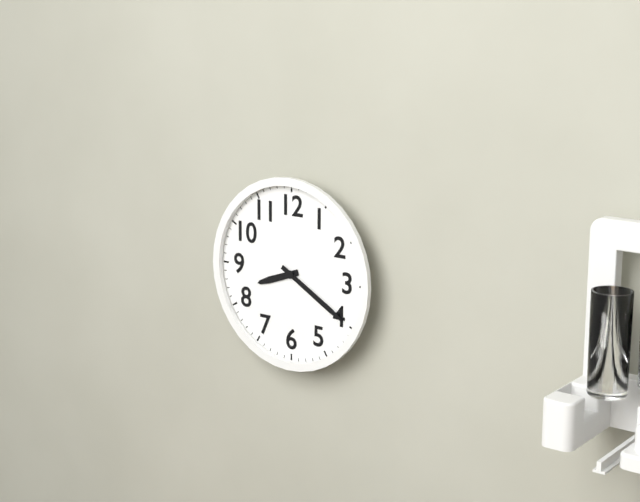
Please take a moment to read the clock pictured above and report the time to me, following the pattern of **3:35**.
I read **8:20**
